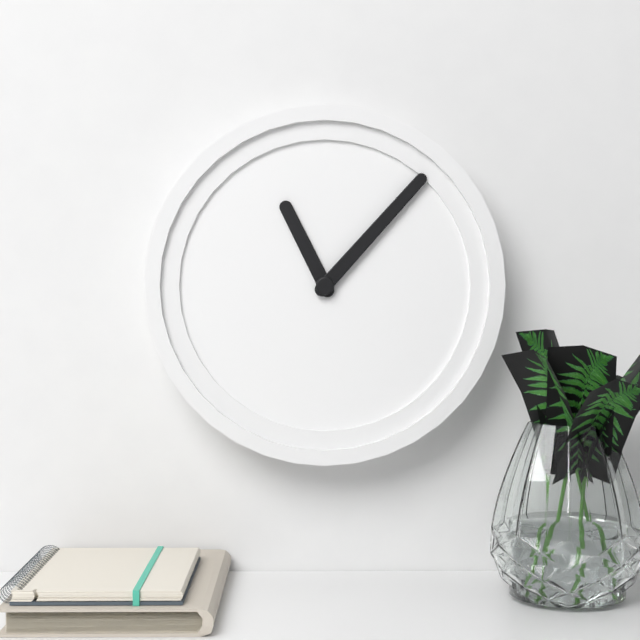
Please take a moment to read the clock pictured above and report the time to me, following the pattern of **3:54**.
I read **11:07**
